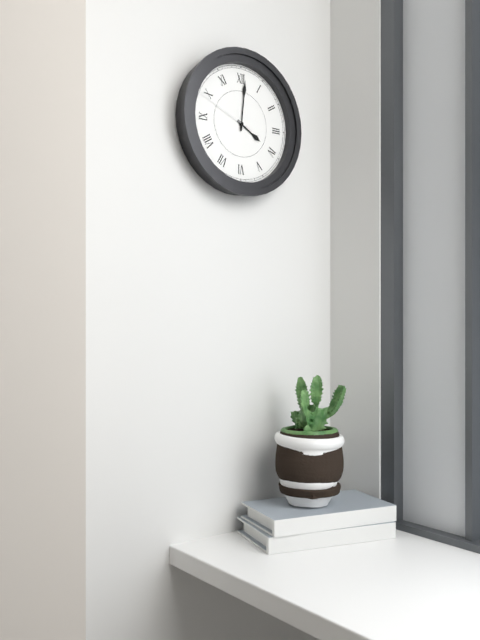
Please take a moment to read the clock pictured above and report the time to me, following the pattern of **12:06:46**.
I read **4:01:49**
